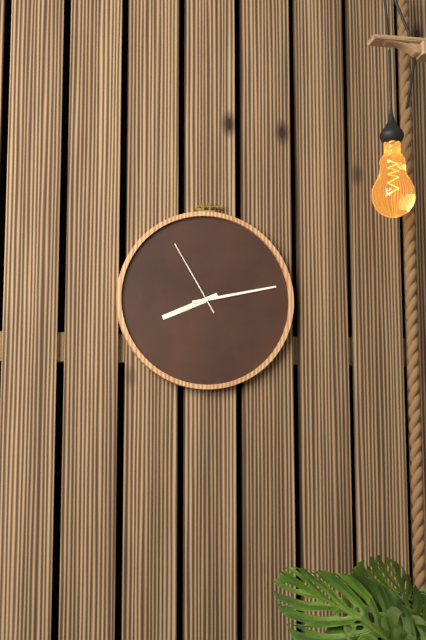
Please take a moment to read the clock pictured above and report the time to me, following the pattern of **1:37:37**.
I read **8:13:55**
